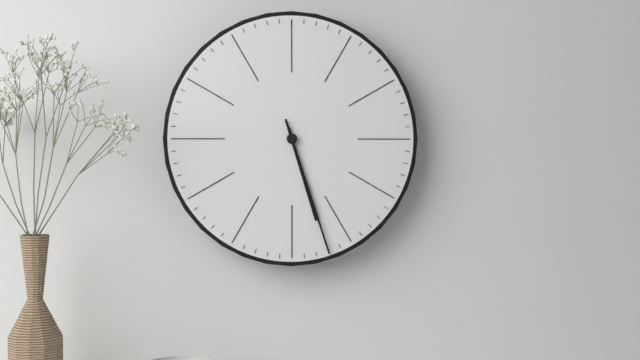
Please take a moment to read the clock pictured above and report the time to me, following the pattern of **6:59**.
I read **5:27**
